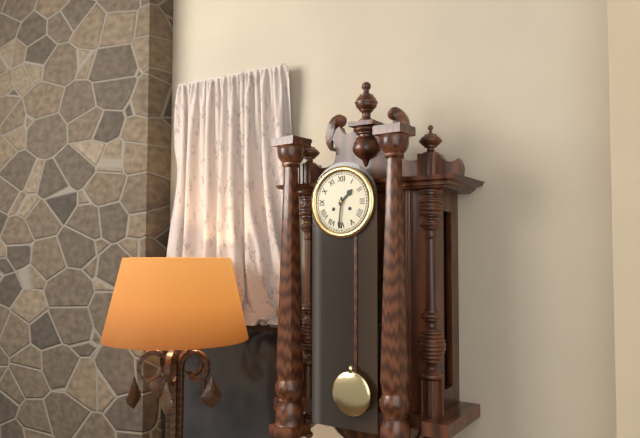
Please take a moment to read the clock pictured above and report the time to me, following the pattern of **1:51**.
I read **1:31**
